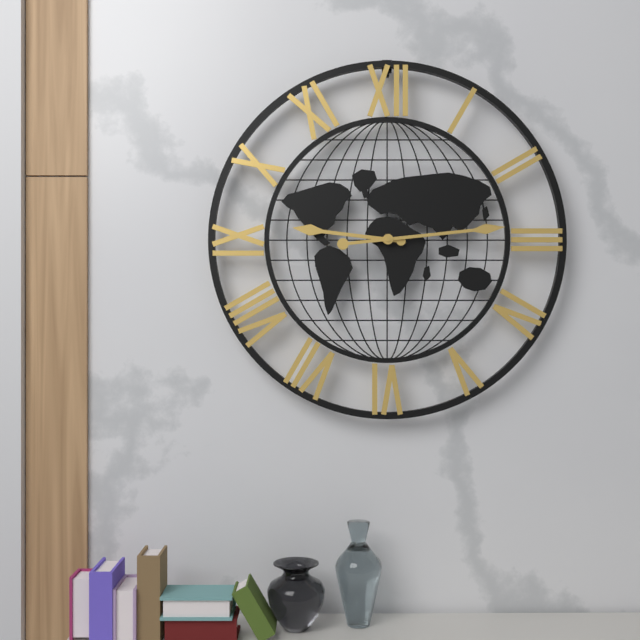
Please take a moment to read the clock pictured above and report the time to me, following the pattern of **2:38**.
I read **9:14**
